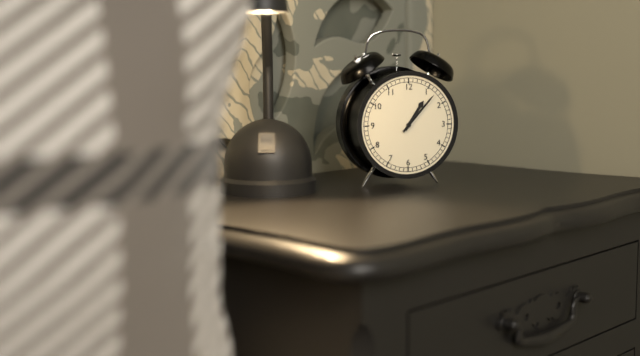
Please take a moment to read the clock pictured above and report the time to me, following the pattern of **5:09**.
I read **1:07**
